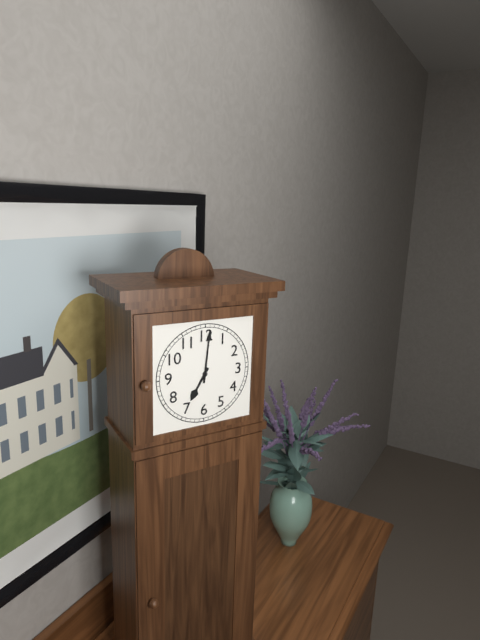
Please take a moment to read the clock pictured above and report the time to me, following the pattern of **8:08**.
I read **7:01**
